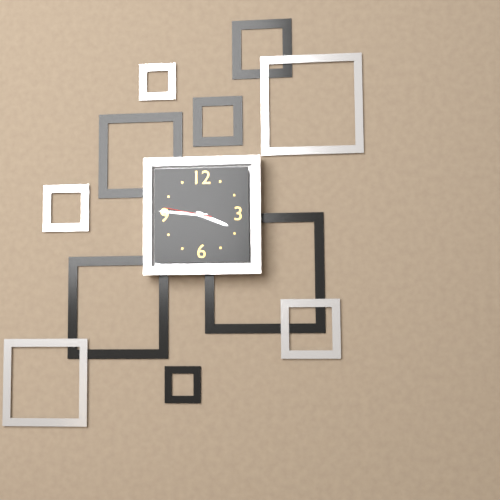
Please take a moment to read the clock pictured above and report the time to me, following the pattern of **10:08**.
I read **3:46**
